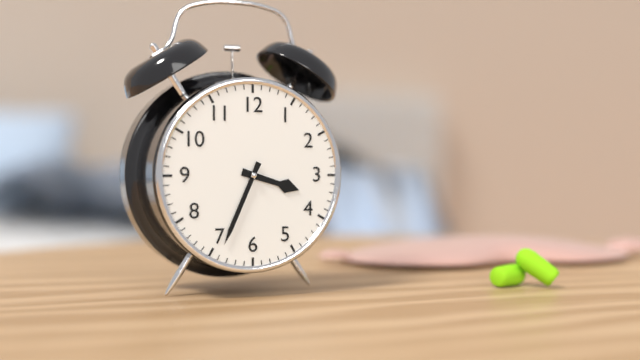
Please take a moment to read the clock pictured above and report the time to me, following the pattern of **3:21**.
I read **3:34**
